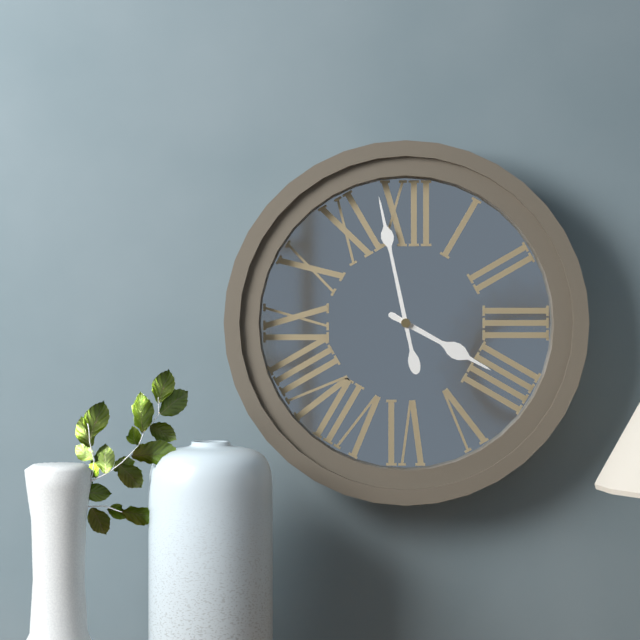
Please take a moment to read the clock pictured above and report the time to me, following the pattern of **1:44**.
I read **3:58**
